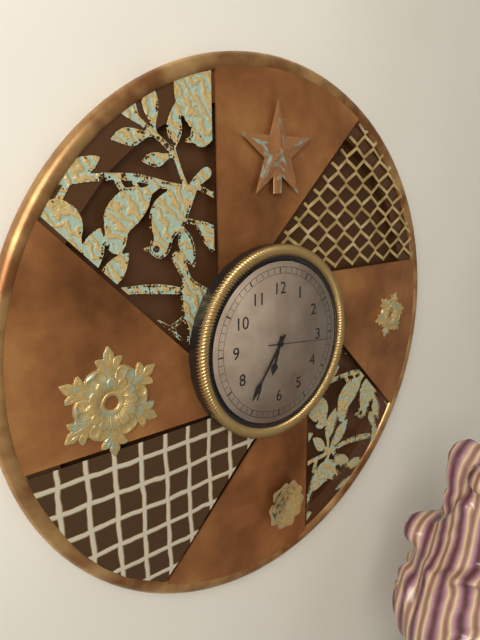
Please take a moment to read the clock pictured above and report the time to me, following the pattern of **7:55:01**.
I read **6:36:16**
